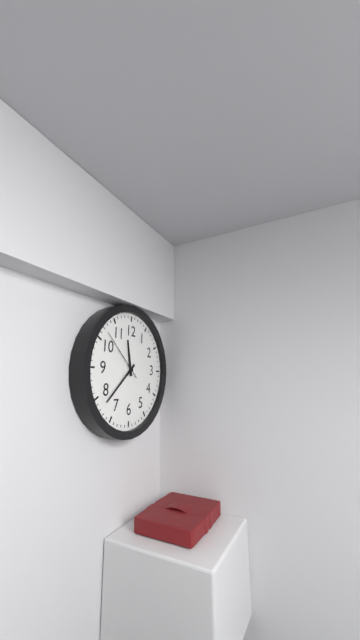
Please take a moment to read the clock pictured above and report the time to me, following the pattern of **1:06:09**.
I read **11:38:52**
